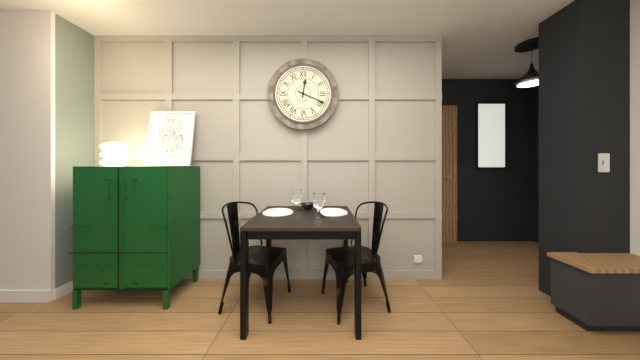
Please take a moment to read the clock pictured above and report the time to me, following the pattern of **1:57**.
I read **12:19**
